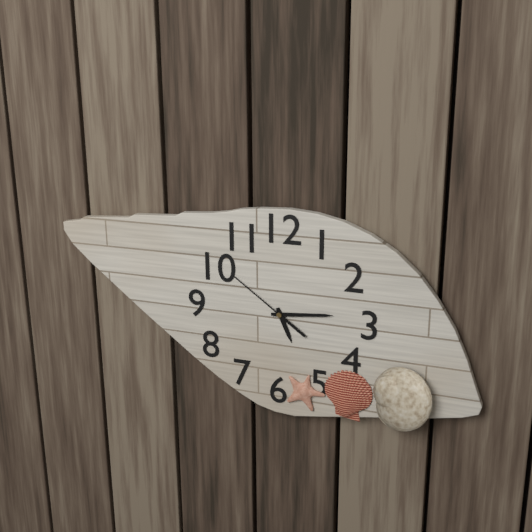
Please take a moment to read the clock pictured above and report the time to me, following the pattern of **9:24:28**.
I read **5:14:51**
